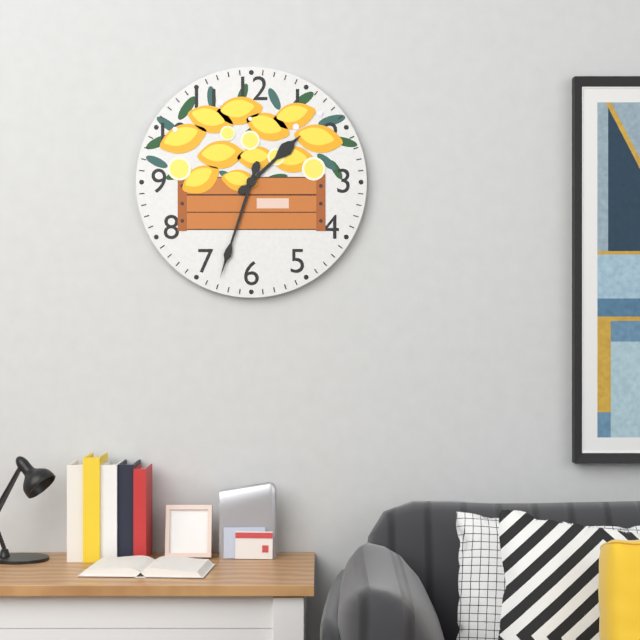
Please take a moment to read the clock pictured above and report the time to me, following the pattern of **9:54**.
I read **1:33**
